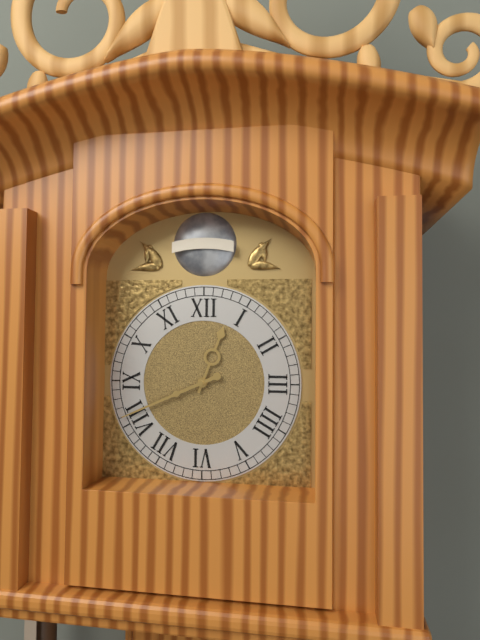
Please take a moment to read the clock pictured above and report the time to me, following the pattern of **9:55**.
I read **12:41**
